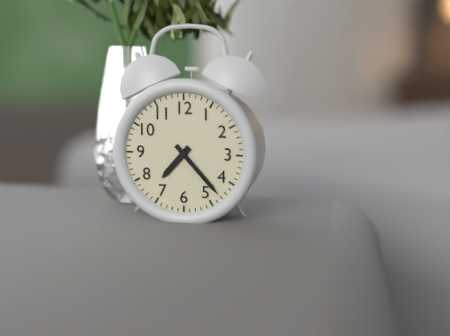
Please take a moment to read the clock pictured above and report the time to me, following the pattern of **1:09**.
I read **7:23**
